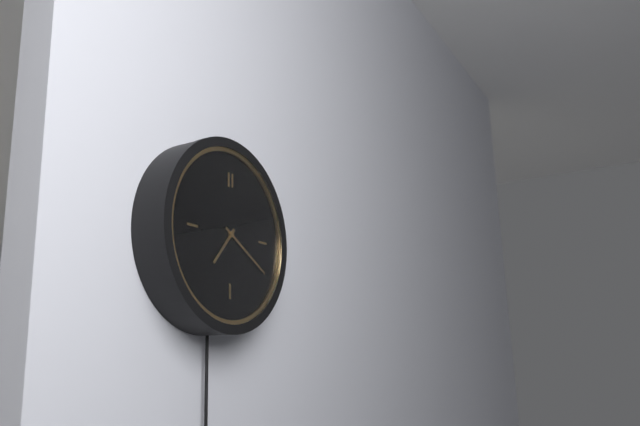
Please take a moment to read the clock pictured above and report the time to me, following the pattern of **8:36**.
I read **7:20**
